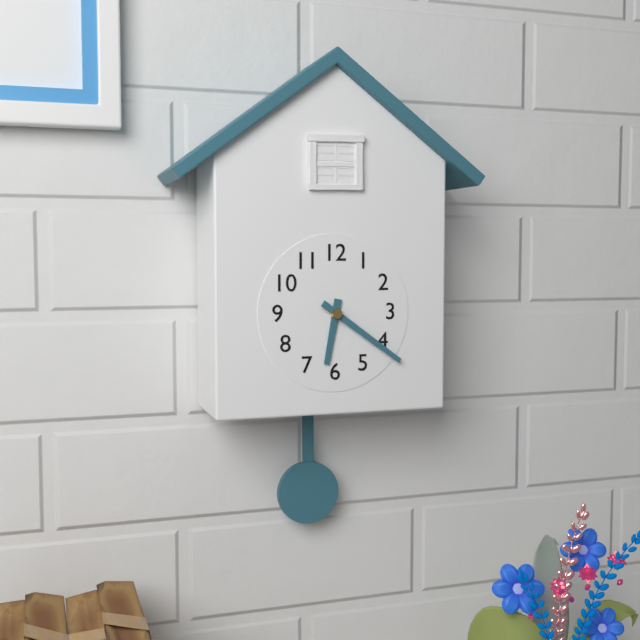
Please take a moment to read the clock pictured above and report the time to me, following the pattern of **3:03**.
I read **6:21**
